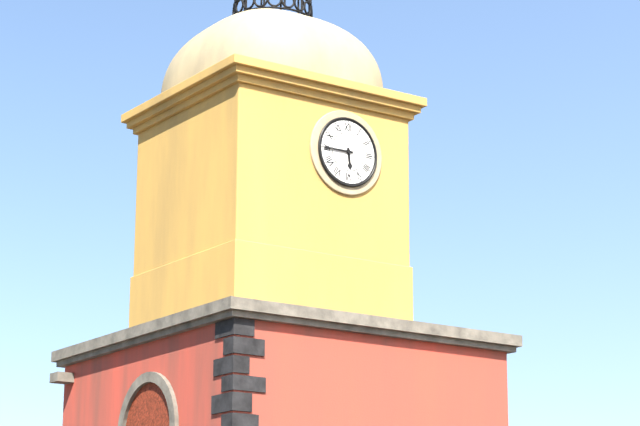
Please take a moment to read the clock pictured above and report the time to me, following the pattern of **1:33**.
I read **5:45**
